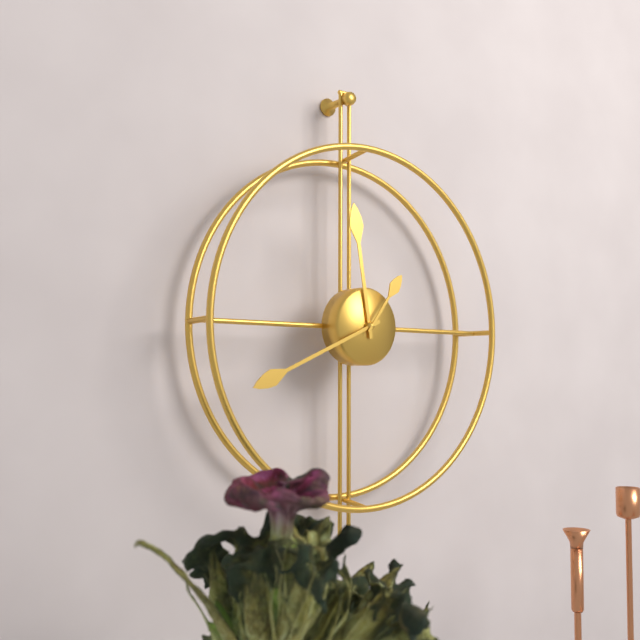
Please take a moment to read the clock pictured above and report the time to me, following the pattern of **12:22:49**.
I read **11:41:06**
